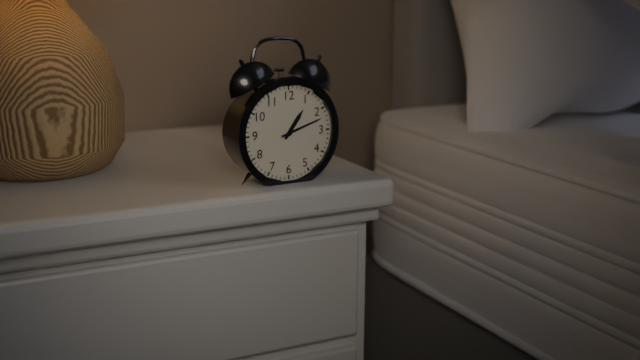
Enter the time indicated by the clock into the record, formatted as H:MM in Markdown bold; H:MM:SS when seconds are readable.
**1:12**
